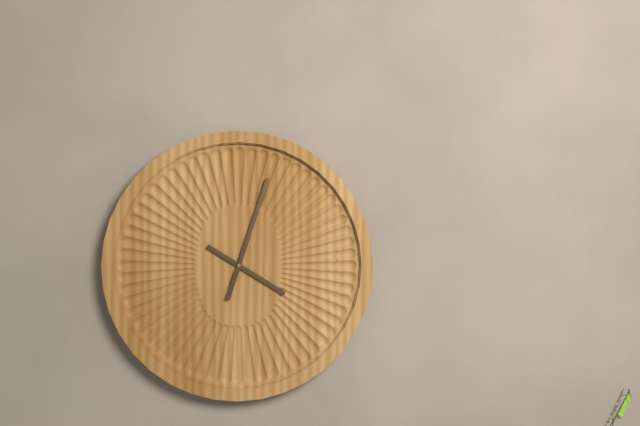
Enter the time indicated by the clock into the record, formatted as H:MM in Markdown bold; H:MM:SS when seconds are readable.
**4:03**
